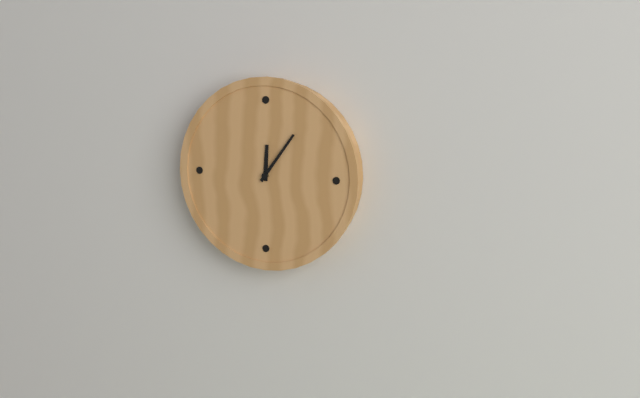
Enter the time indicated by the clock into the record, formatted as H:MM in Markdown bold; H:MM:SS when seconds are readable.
**12:06**
